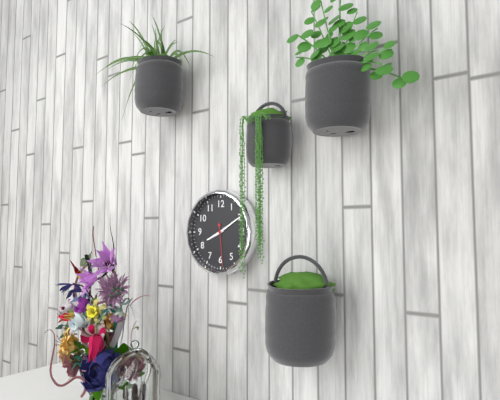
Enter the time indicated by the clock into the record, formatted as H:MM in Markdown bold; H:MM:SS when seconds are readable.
**8:10**
